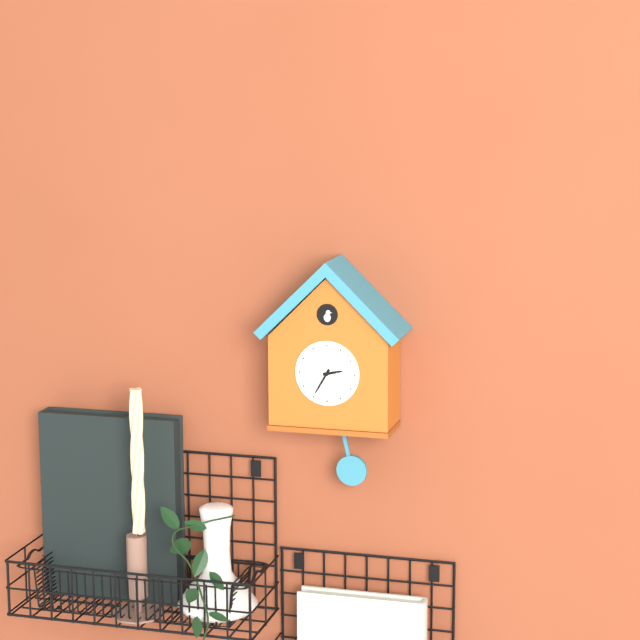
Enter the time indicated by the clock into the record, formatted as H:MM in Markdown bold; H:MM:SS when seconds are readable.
**2:35**
